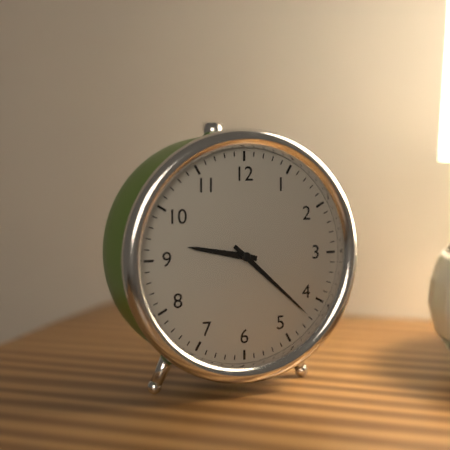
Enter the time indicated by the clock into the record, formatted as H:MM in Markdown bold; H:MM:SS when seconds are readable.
**9:22**
